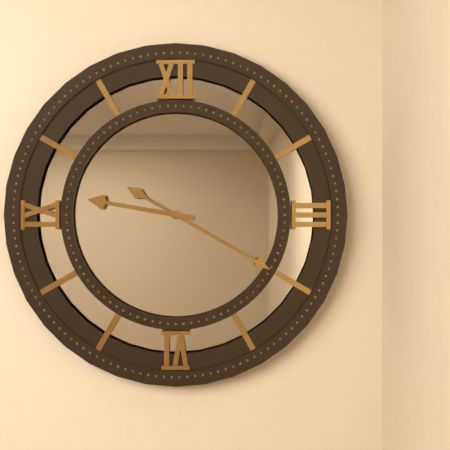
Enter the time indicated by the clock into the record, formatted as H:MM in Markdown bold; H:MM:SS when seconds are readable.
**9:20**
